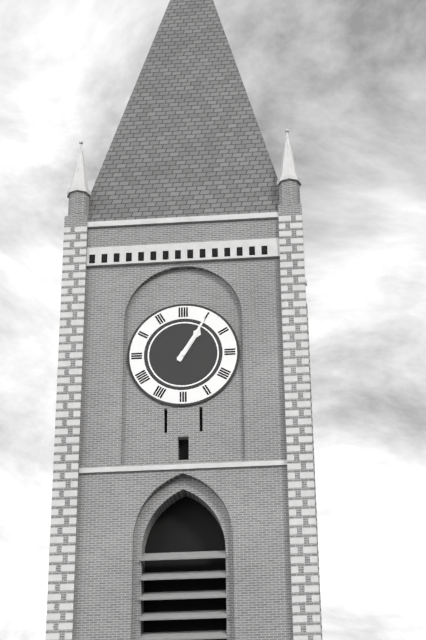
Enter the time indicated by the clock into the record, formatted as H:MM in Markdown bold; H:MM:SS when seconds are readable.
**1:05**
